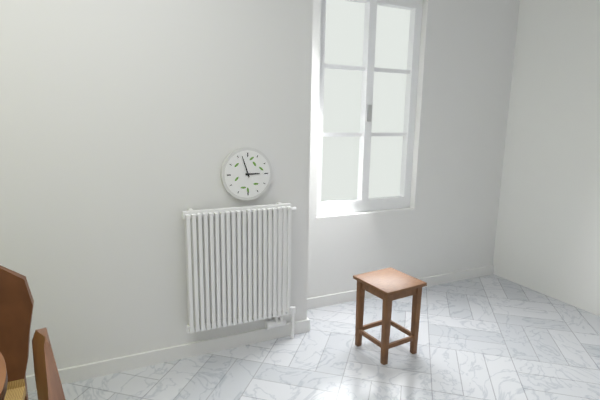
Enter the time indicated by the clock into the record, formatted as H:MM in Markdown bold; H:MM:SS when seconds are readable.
**2:57**
